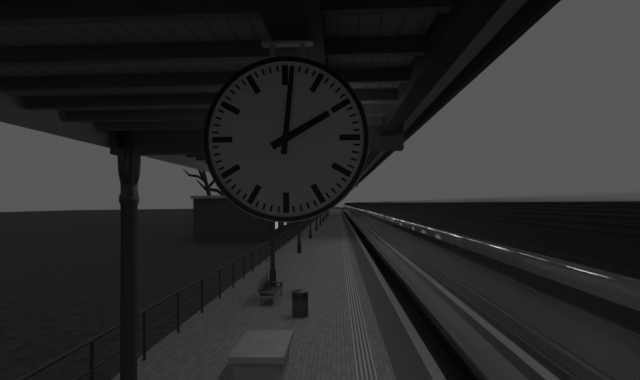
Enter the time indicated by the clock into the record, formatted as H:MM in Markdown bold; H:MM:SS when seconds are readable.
**2:01**
